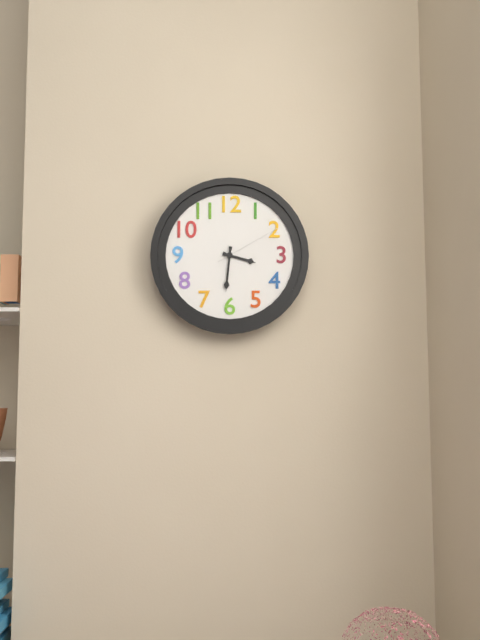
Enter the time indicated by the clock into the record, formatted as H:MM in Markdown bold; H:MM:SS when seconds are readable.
**3:31:10**
